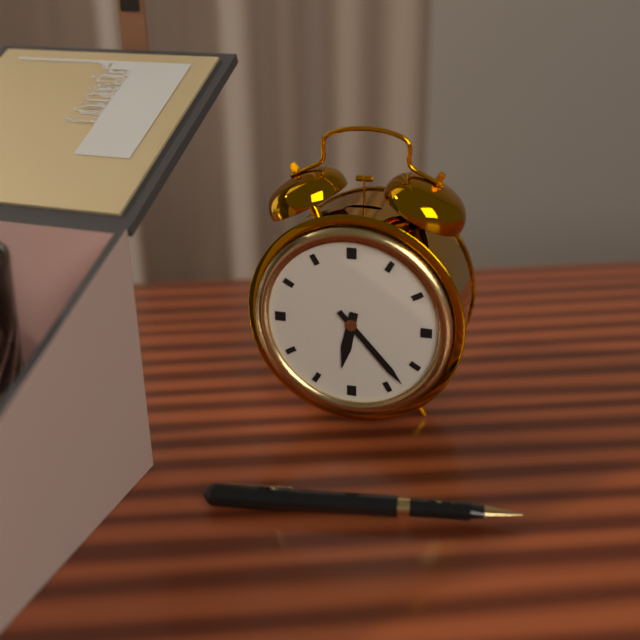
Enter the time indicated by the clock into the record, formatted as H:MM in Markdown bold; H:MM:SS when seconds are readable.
**6:23**
